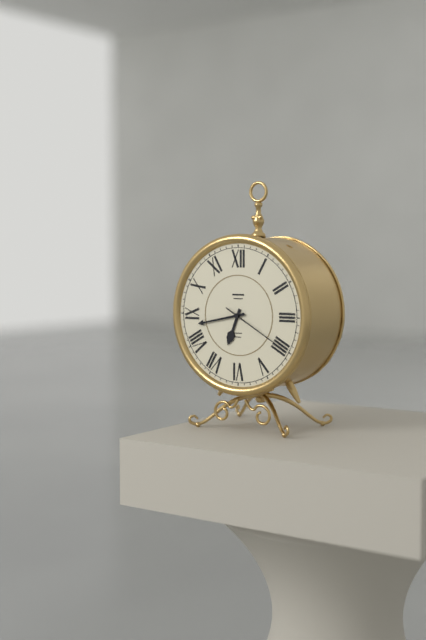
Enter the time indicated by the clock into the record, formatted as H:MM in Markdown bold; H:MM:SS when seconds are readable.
**6:43:20**
